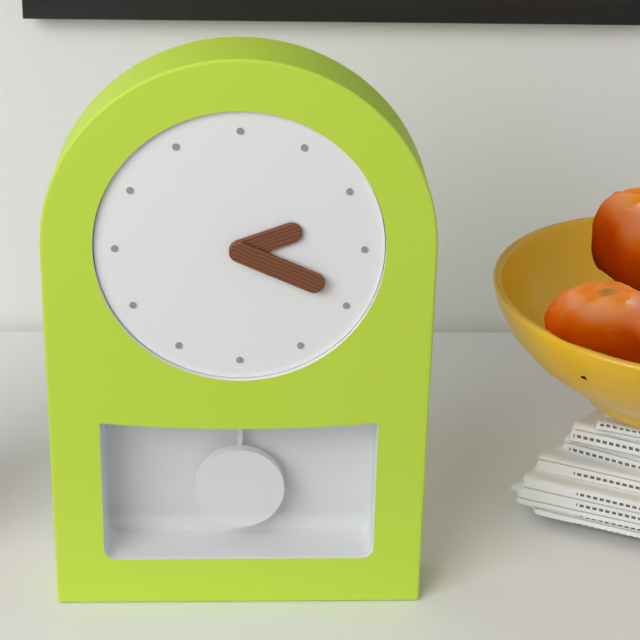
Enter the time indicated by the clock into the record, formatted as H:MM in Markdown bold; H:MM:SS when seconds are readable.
**2:19**
